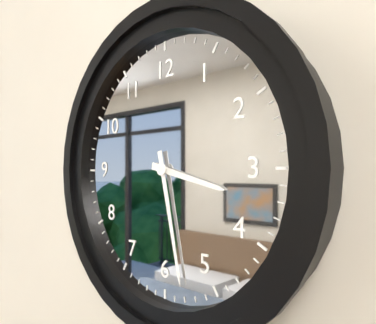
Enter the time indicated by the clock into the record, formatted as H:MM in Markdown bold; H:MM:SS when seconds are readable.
**3:28**
